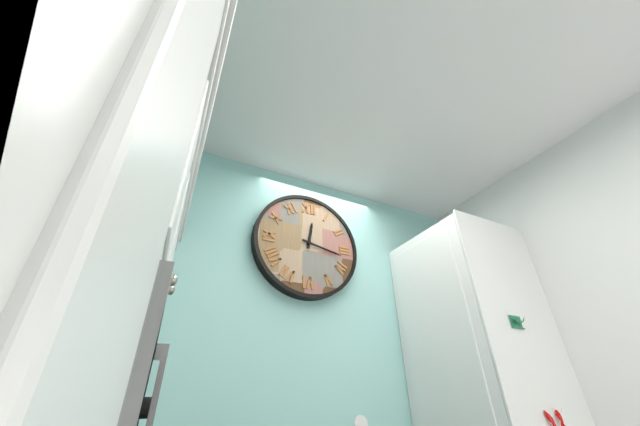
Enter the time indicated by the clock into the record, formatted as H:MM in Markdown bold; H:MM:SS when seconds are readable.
**12:17**
